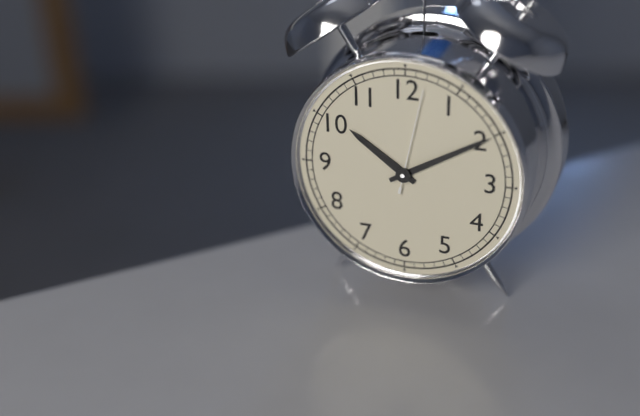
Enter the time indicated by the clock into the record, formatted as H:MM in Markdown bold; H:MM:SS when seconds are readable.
**10:10:02**
